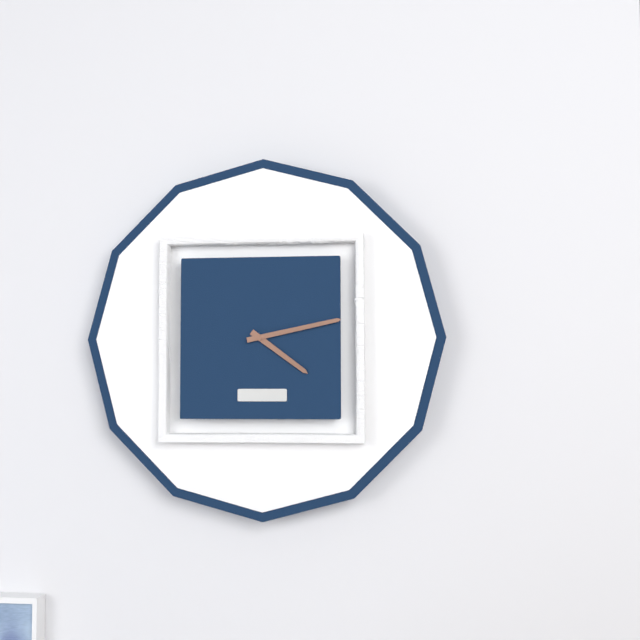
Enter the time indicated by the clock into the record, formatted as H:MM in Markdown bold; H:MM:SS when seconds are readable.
**4:13**
